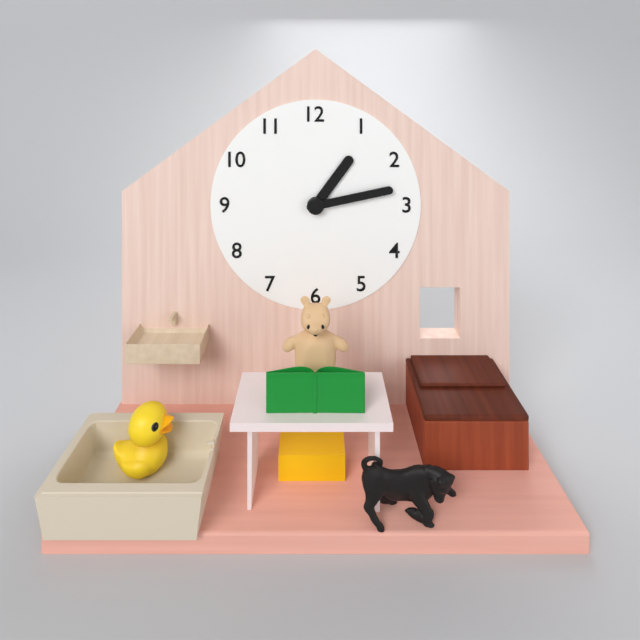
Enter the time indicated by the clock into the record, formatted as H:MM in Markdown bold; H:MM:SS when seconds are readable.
**1:13**
